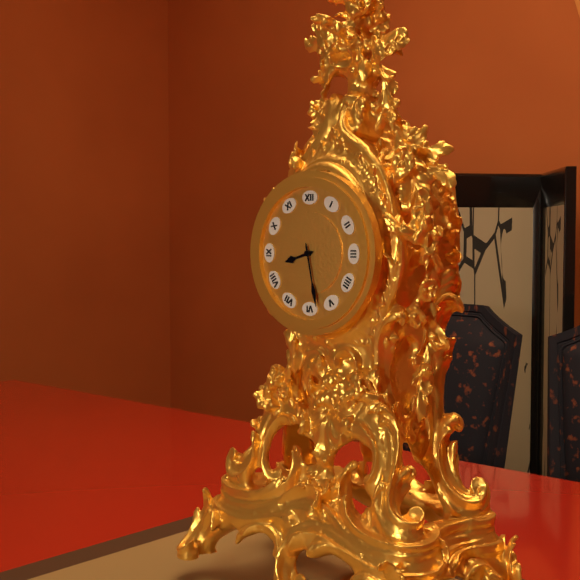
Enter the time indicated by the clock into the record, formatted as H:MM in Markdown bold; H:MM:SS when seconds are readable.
**8:28**
